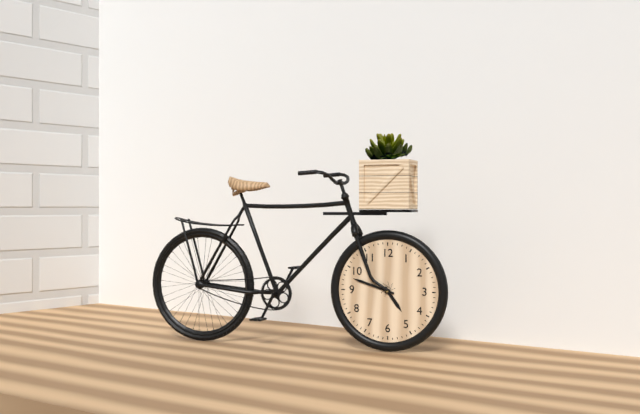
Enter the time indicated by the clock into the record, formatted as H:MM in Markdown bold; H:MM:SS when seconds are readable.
**4:48**
